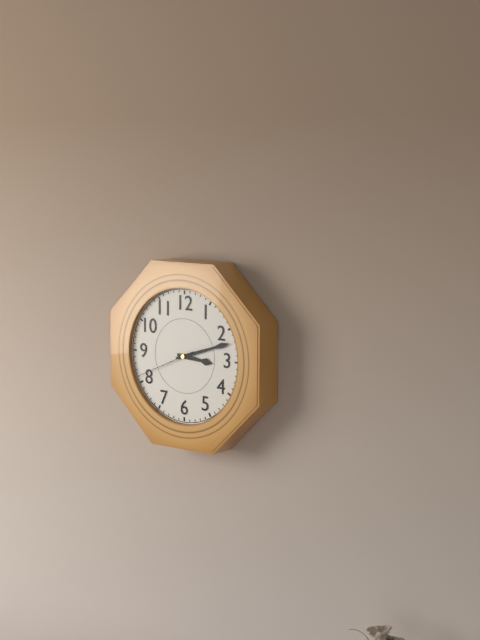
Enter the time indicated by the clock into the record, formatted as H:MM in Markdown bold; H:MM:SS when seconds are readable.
**3:12:41**
